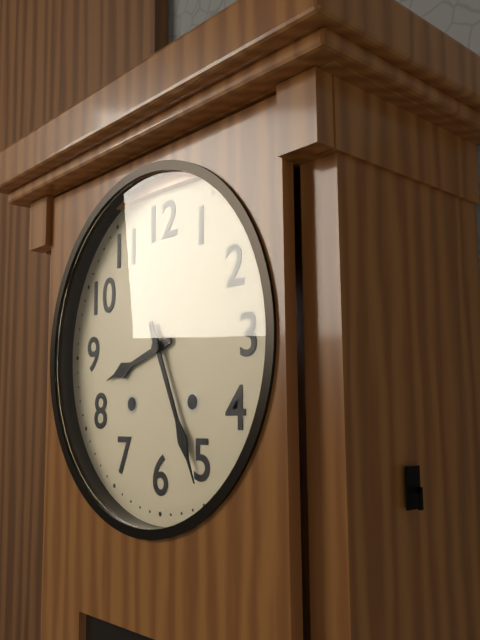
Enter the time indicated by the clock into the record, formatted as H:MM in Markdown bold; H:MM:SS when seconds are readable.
**8:26**
